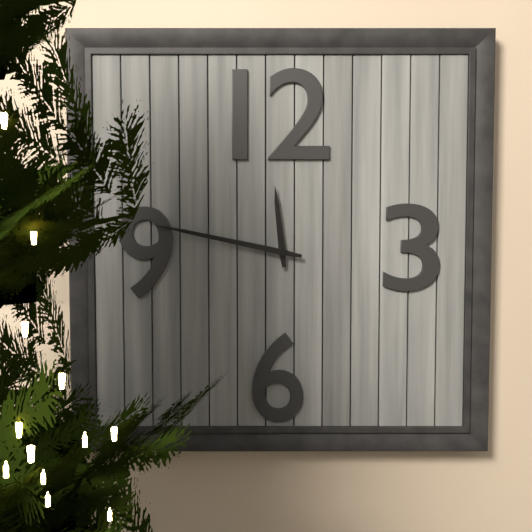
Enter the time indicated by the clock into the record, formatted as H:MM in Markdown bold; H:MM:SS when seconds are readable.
**11:47**
